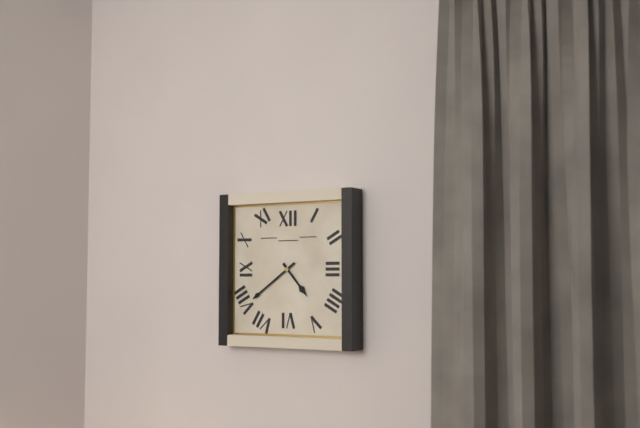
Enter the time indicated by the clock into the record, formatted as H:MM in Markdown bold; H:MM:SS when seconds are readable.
**4:39**
